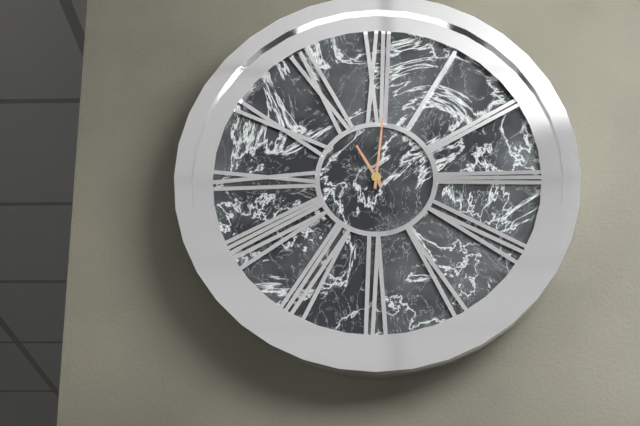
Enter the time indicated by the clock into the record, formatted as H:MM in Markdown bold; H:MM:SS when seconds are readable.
**11:01**
